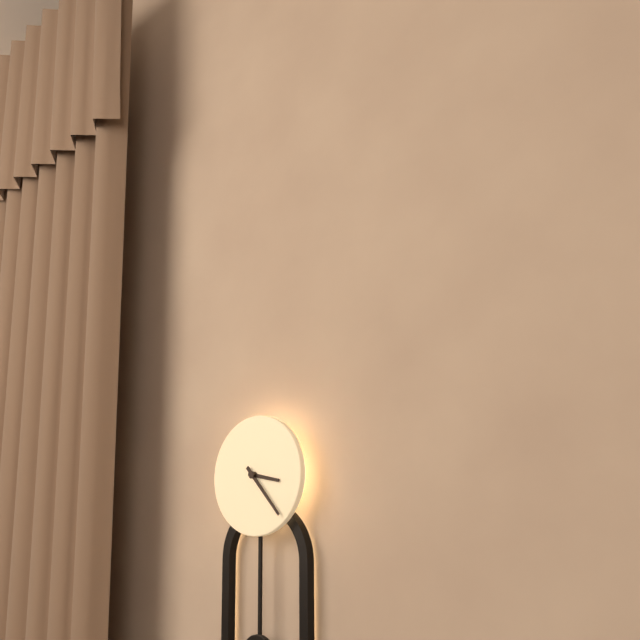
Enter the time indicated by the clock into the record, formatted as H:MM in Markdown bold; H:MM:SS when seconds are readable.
**3:23**
